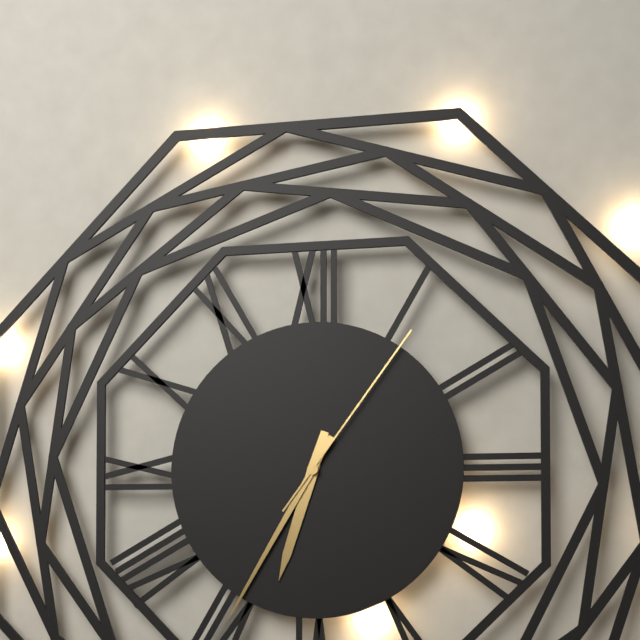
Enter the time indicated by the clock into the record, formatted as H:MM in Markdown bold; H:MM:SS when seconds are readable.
**6:35:06**
